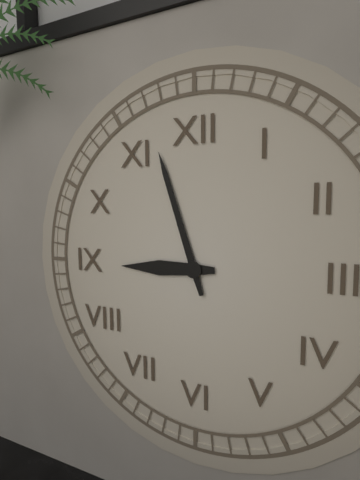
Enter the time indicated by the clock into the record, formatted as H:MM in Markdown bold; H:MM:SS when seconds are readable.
**8:57**
